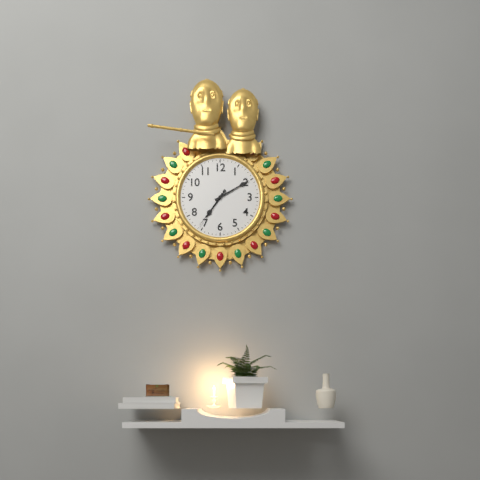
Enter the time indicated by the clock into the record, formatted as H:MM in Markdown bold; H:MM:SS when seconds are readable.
**7:10**
